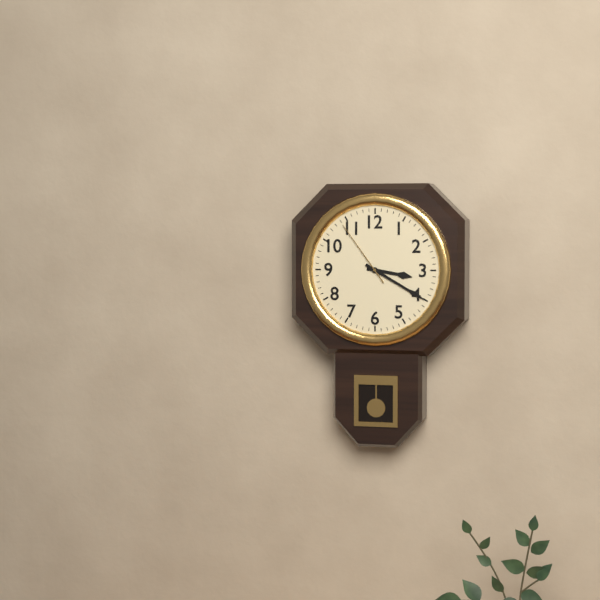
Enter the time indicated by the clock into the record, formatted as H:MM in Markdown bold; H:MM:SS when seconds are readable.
**3:20:54**
